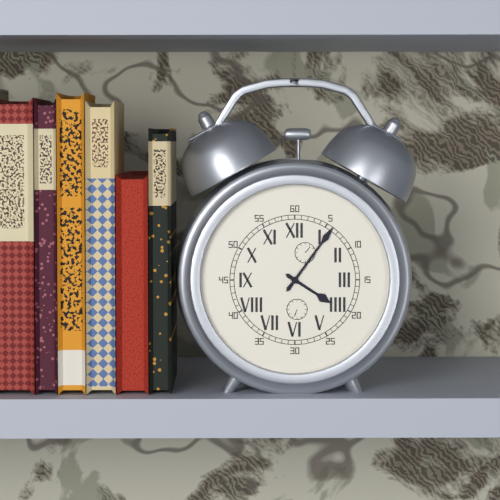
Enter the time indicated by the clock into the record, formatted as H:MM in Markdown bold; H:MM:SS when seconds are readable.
**4:06**
